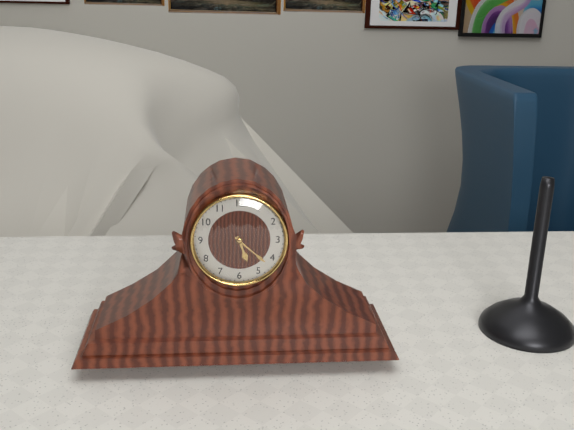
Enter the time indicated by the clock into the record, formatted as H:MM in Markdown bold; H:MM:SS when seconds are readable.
**5:22**
